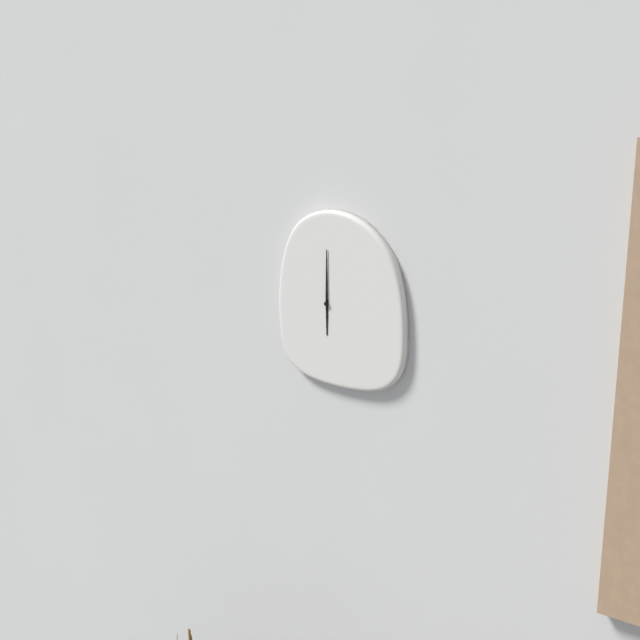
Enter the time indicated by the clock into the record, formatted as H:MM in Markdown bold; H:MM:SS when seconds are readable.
**6:00**
